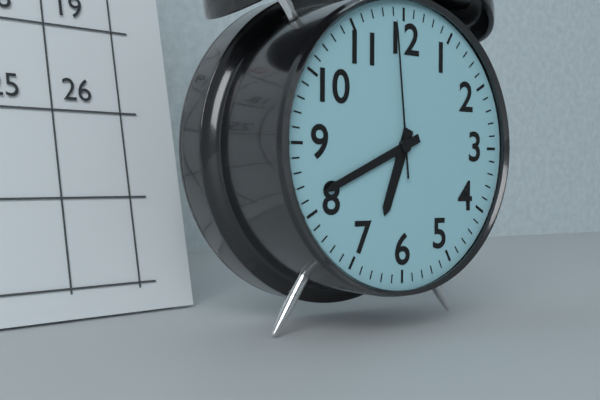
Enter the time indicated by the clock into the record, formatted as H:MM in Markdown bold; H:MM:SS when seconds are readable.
**6:41:59**
